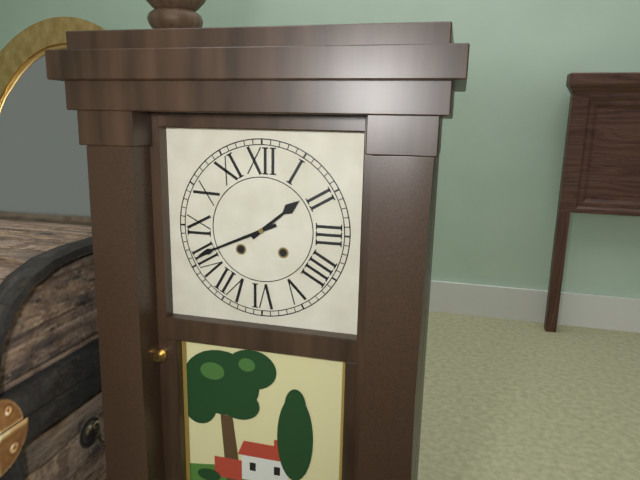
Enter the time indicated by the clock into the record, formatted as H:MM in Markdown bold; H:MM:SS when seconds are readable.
**1:41**
